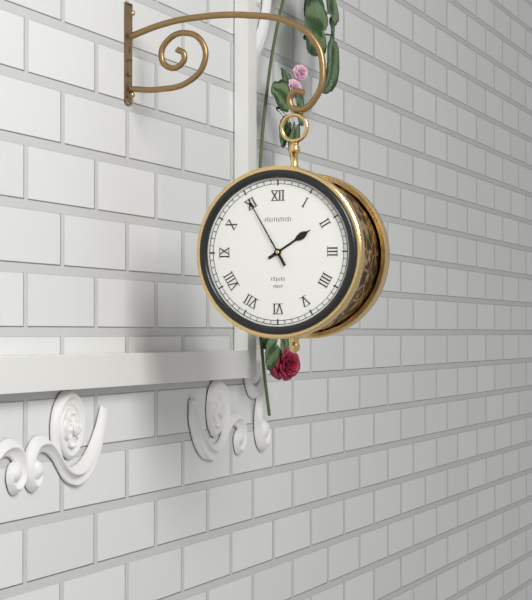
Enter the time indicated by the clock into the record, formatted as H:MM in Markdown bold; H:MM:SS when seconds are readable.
**1:55**
